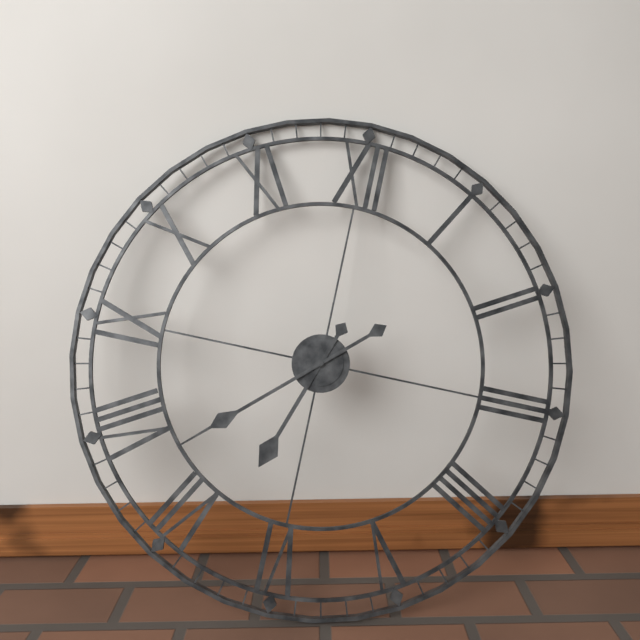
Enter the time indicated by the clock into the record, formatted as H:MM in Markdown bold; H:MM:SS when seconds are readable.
**6:38**
